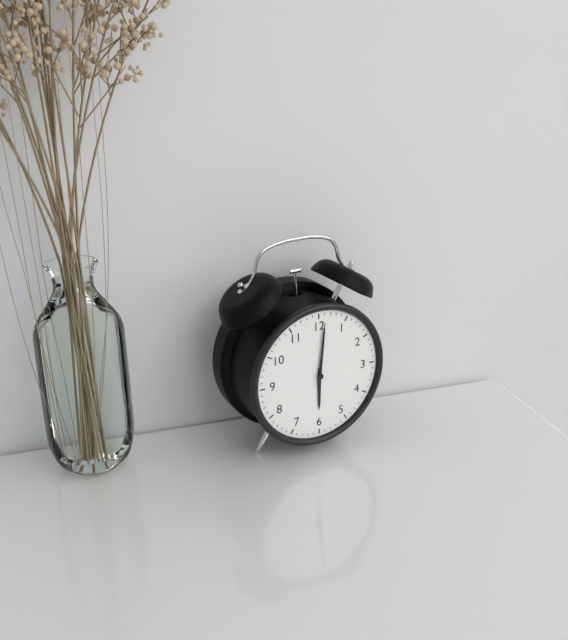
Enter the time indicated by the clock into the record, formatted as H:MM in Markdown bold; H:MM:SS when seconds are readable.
**6:01**
